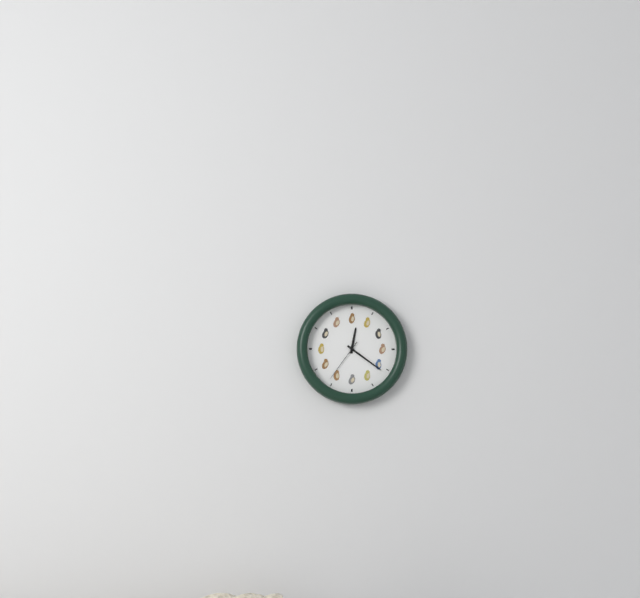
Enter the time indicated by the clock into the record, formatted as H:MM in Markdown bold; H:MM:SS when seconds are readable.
**12:21**
